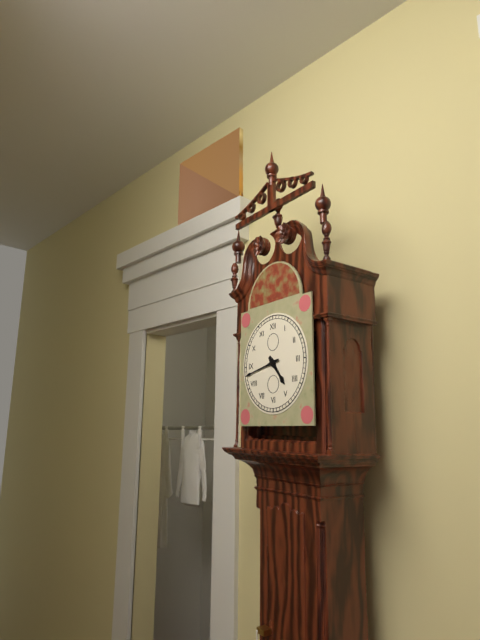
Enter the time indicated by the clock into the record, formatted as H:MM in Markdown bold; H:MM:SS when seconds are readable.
**4:43**
